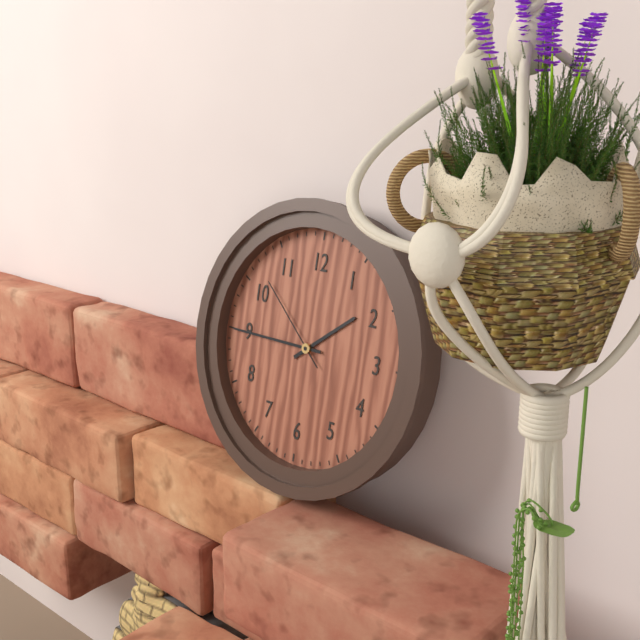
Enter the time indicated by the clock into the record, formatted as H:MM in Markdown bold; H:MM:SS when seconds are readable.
**1:45:52**
